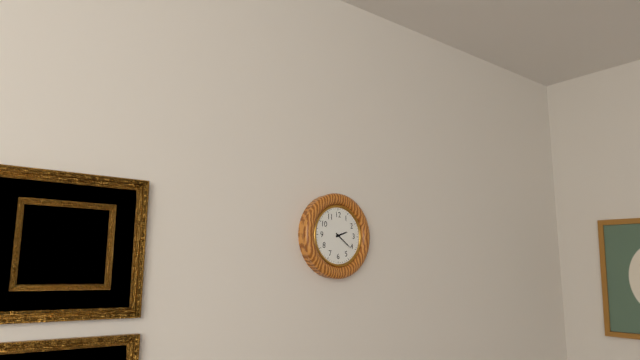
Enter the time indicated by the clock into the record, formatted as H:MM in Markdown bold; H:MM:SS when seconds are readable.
**2:21**
